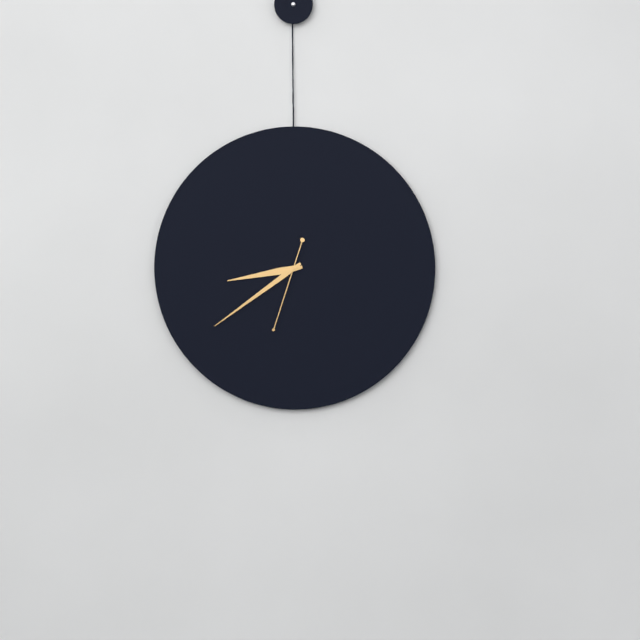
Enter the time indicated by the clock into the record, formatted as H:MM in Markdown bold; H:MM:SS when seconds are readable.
**8:39:33**
